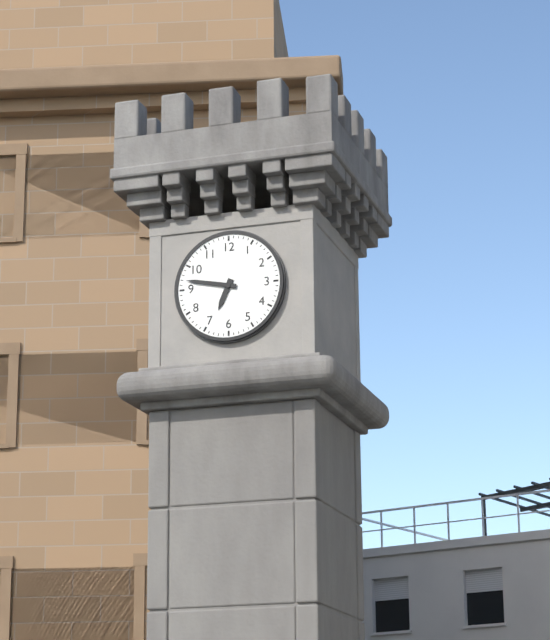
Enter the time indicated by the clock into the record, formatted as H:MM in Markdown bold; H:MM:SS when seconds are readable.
**6:47**
